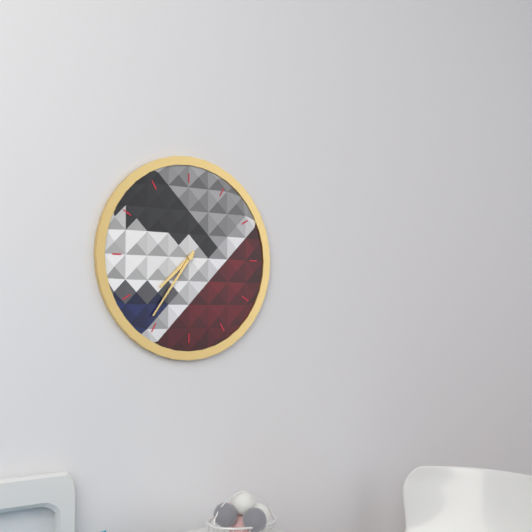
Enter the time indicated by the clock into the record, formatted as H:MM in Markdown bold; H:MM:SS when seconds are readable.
**7:36**
